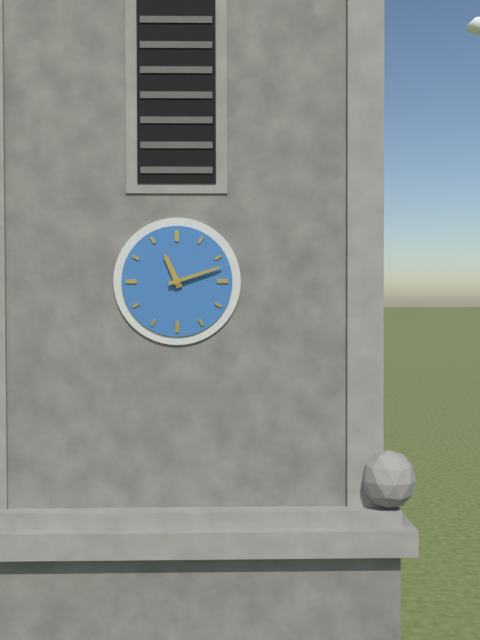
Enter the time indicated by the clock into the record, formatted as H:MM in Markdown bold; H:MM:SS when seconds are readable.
**11:12**
